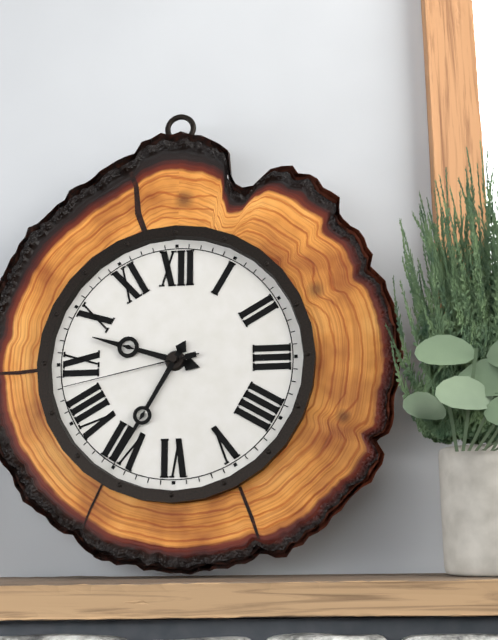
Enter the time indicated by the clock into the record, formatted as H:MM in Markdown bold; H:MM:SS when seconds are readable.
**9:35:43**
